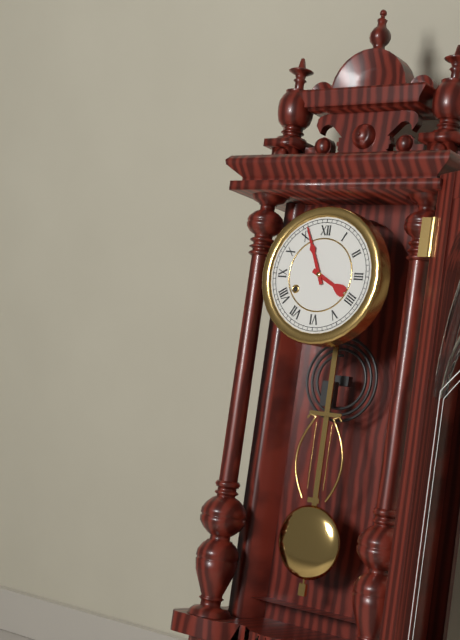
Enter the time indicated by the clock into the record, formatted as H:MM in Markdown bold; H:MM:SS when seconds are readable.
**3:56**
